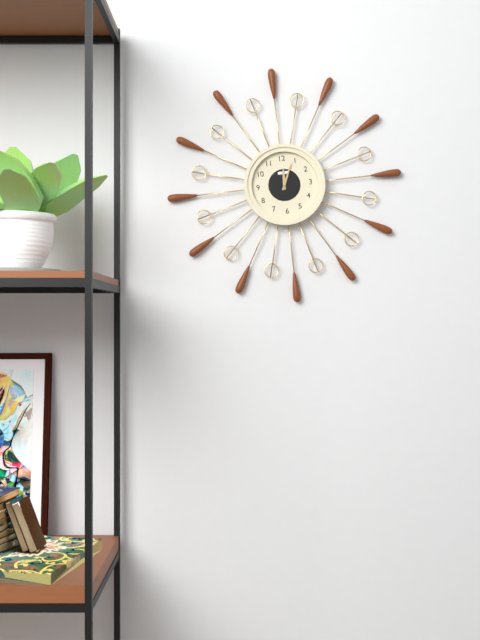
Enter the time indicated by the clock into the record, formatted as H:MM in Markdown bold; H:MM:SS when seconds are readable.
**12:04**
